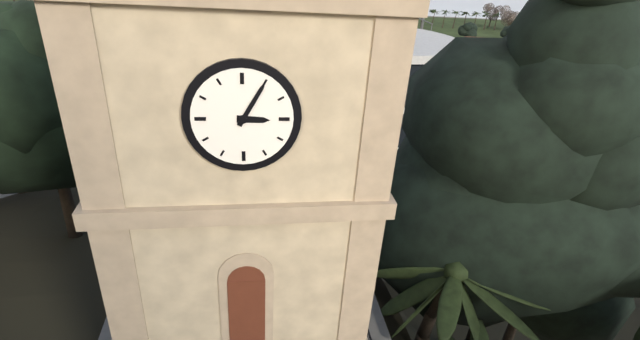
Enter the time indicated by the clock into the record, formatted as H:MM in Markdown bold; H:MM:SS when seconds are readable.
**3:05**
